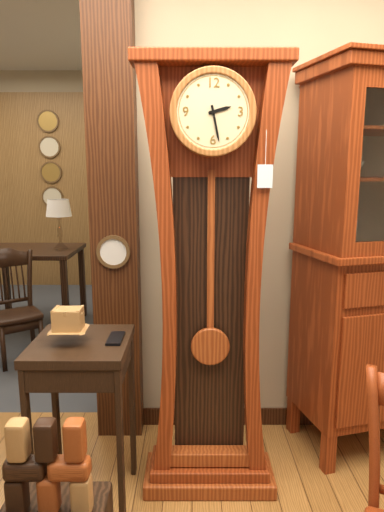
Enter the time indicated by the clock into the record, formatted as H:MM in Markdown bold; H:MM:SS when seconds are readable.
**2:28**
